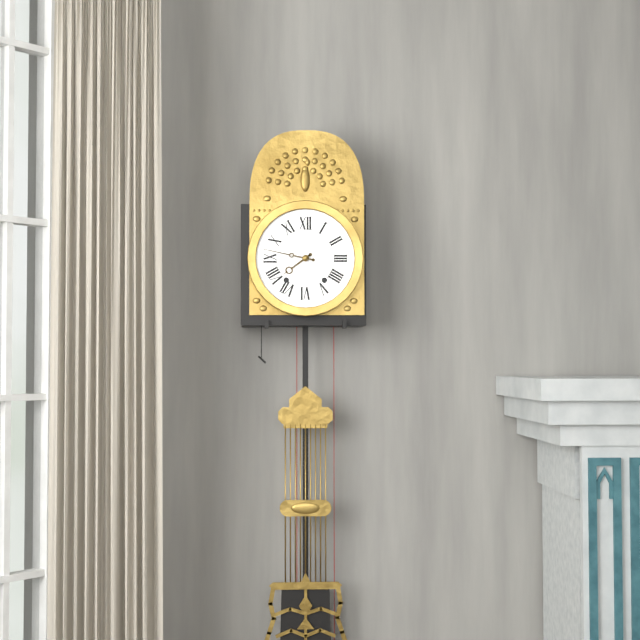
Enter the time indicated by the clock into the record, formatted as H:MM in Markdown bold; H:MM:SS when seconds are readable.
**7:47**
